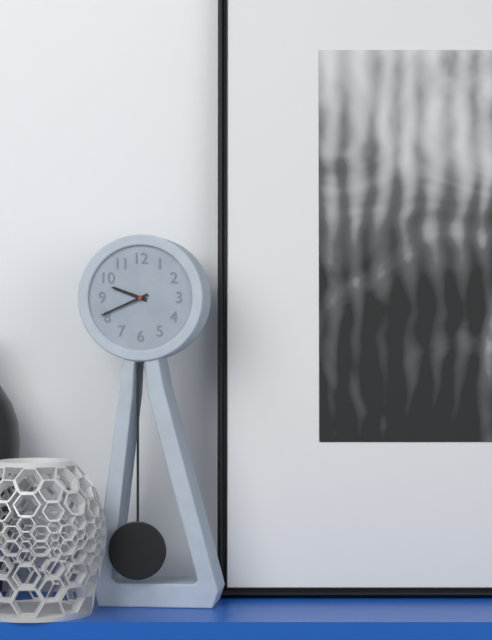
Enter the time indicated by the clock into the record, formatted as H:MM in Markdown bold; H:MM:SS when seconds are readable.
**9:41**
